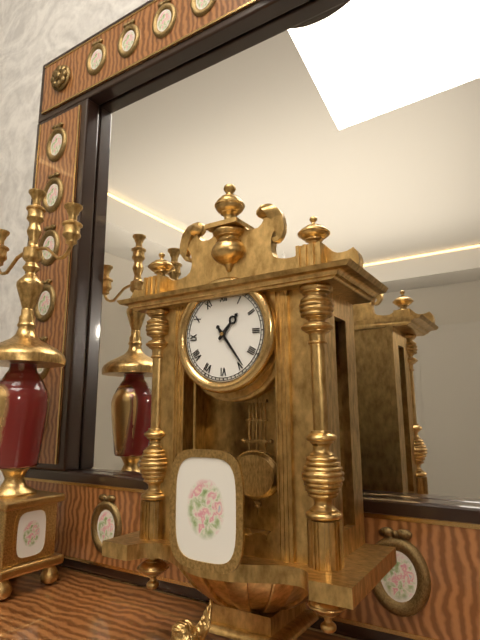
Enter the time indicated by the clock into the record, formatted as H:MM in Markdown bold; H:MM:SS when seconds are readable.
**1:24**
